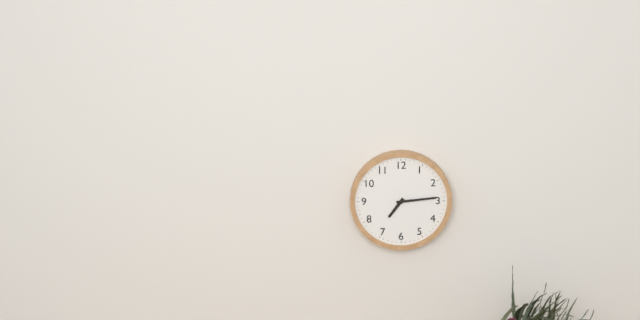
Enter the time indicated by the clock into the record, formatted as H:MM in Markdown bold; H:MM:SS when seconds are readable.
**7:14**
